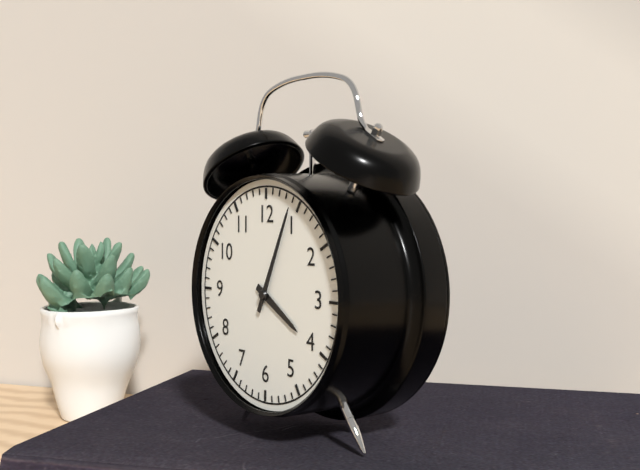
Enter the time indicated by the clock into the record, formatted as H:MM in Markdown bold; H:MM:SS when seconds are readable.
**4:04**
